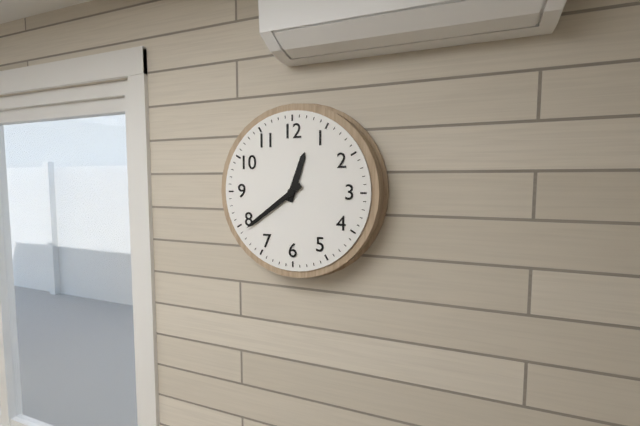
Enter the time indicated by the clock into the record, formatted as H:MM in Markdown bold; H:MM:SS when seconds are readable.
**12:39**
